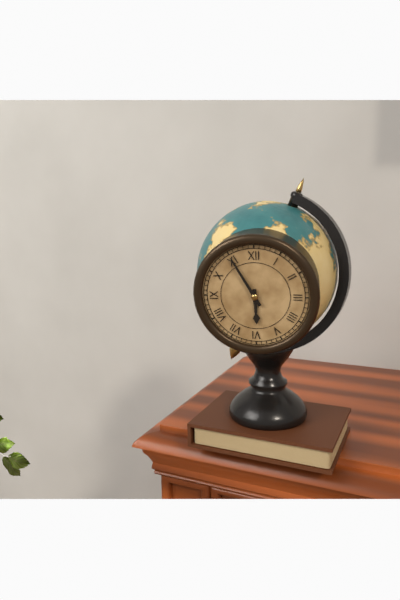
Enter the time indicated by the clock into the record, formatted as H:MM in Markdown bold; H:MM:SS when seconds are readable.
**5:55**
